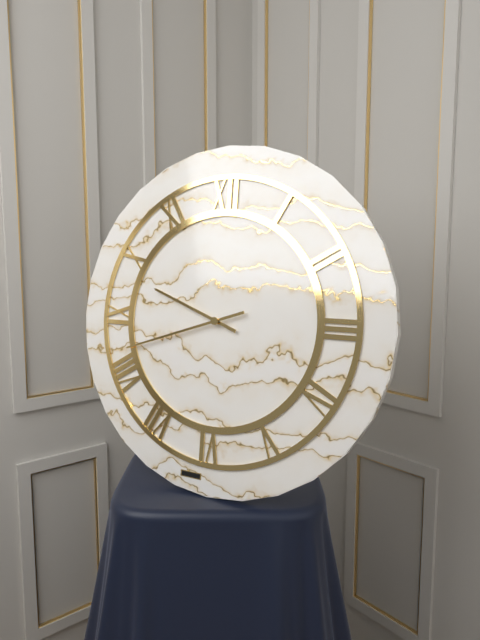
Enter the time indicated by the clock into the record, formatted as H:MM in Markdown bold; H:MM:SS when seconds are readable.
**9:42**
